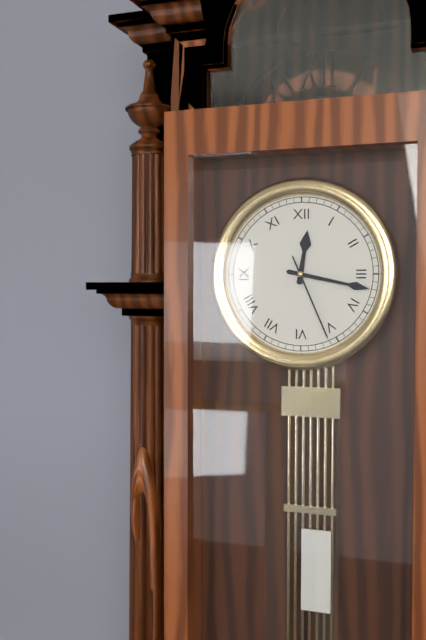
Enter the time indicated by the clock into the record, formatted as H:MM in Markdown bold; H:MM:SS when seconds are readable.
**12:17:26**
